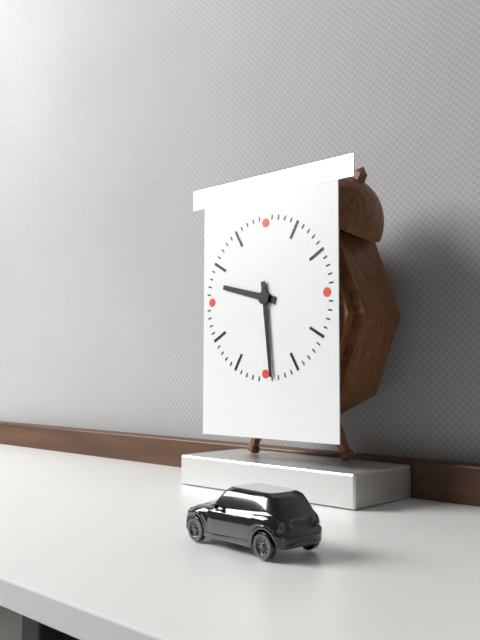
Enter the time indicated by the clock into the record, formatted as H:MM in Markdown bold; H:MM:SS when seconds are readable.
**9:29**
